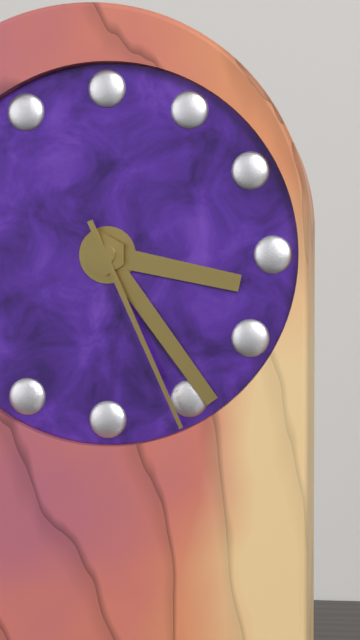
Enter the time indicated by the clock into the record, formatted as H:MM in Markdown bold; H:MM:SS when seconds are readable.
**3:24:26**
